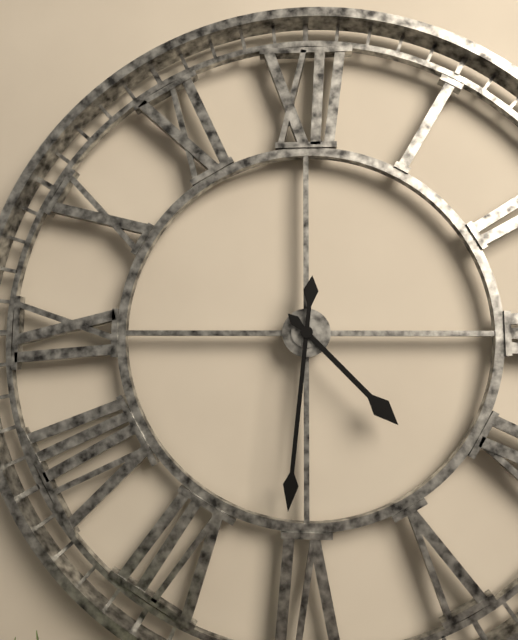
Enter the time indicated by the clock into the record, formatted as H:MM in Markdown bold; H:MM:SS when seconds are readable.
**4:31**
